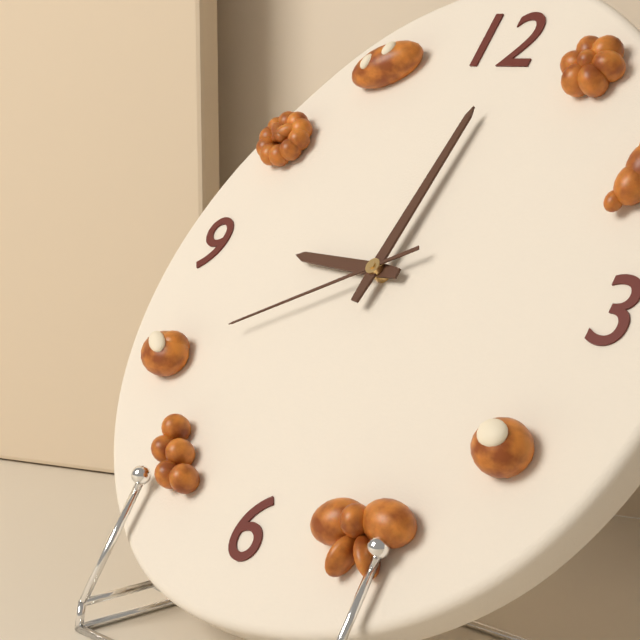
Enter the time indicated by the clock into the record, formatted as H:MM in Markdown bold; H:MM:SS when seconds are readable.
**9:01:40**
